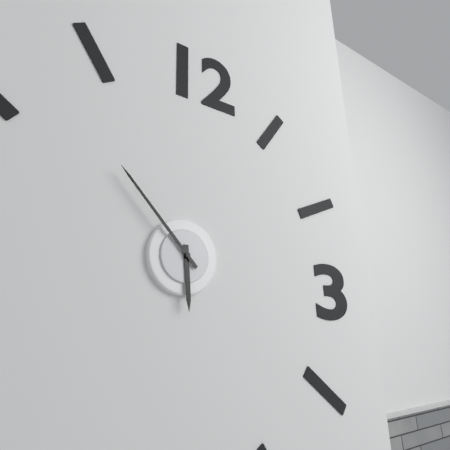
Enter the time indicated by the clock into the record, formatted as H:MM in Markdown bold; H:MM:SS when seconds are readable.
**5:53**
